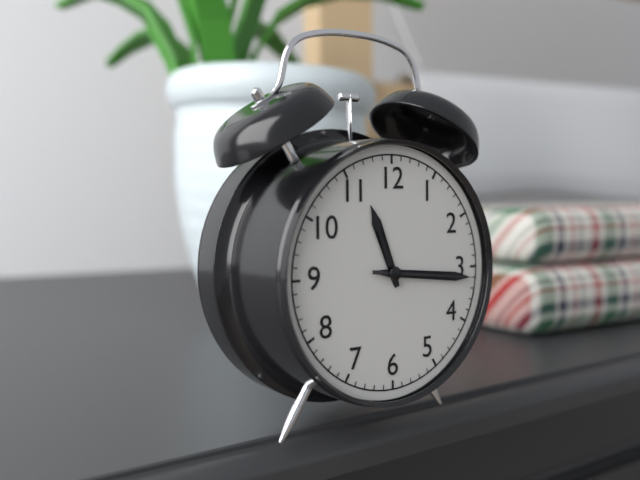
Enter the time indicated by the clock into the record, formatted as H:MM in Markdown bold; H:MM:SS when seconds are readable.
**11:16:16**
